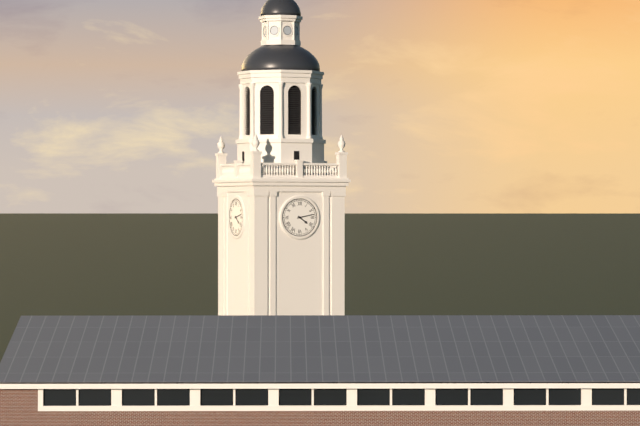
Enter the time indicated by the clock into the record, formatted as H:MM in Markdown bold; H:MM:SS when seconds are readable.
**4:13**
